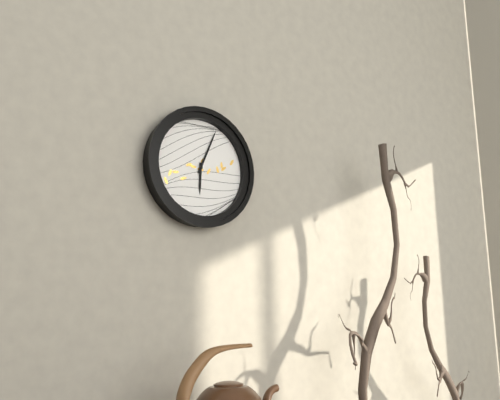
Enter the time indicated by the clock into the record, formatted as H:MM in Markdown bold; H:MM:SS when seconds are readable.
**6:04**
